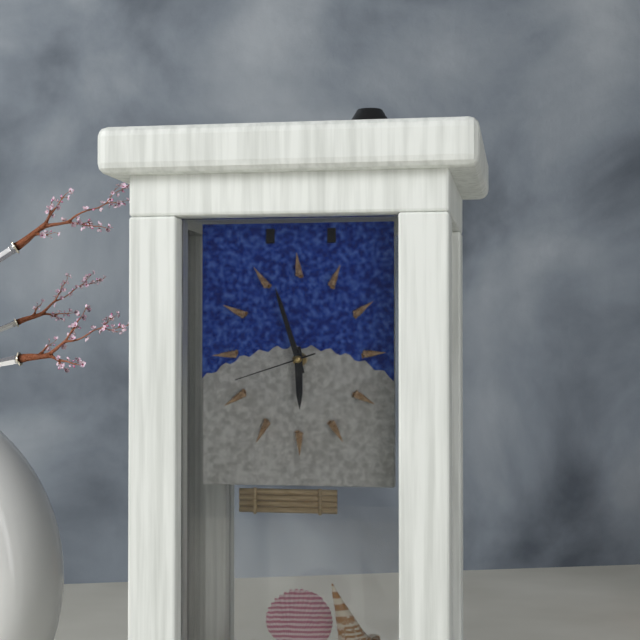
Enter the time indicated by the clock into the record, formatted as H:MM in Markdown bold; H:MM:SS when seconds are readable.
**5:57:42**
